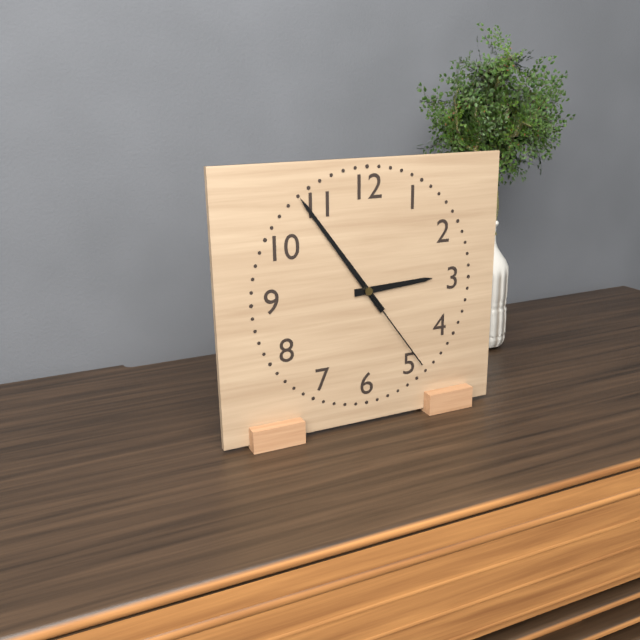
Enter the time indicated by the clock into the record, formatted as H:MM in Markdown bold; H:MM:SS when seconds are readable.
**2:54:24**
